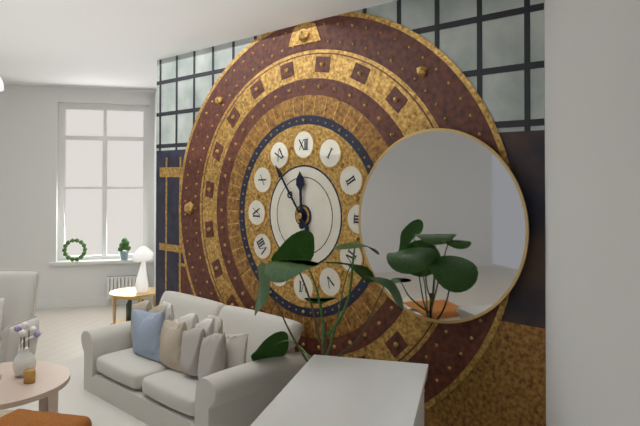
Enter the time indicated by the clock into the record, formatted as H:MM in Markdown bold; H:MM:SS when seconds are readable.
**11:54**
